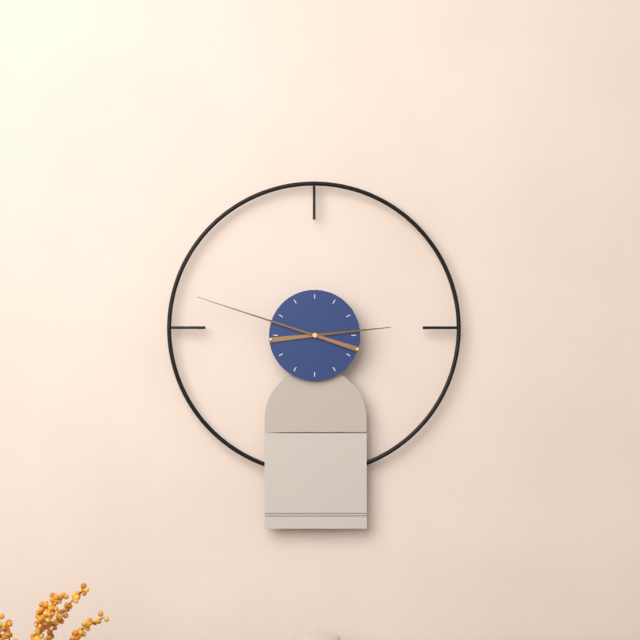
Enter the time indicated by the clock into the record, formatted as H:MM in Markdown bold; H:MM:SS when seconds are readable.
**2:48**
